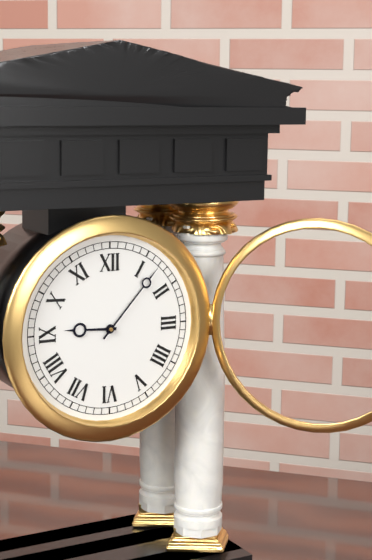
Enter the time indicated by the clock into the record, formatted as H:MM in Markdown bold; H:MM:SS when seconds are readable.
**9:07**
